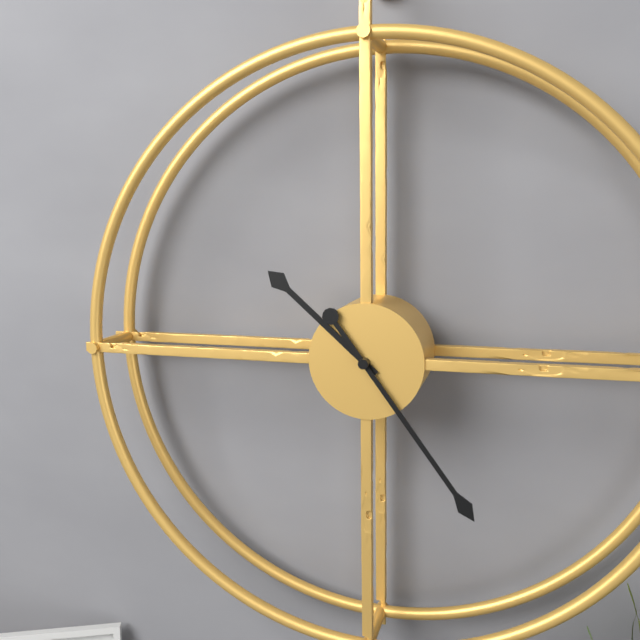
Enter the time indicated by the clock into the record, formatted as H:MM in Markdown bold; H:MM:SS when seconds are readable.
**10:24**
